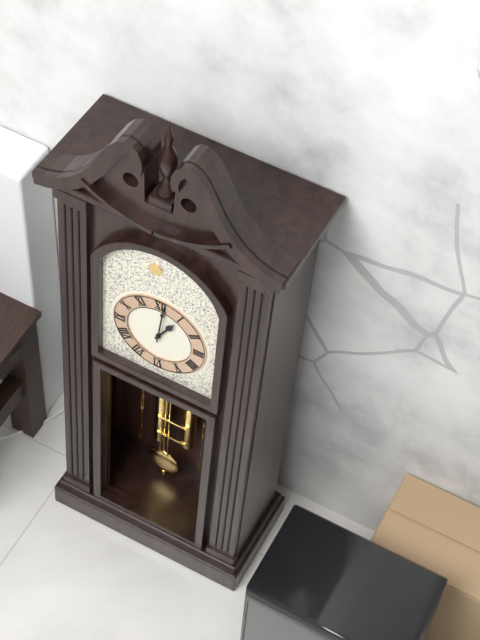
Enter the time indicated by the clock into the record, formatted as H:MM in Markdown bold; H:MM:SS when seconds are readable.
**1:01**
